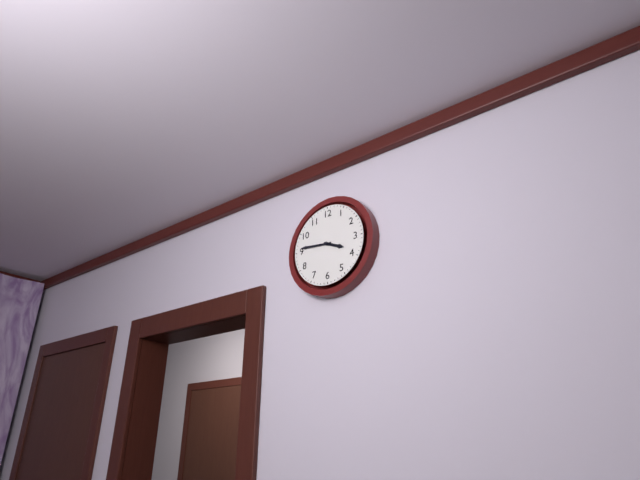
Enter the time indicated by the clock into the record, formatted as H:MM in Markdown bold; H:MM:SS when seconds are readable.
**3:46**
